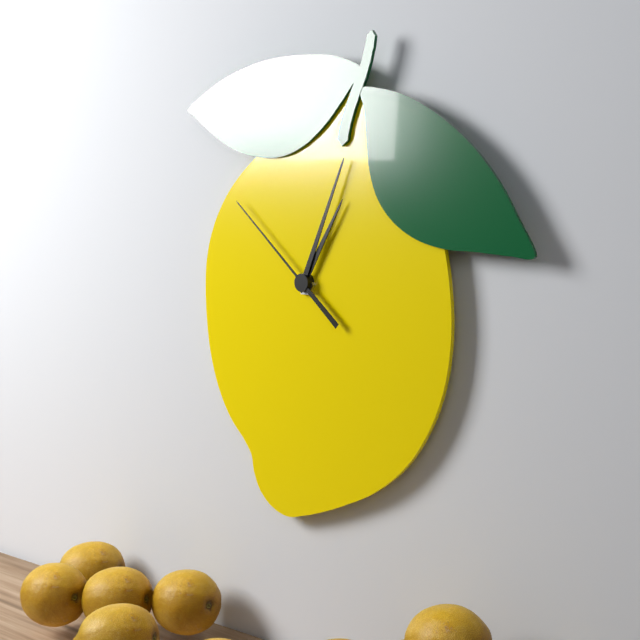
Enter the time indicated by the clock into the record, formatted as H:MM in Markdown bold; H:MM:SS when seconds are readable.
**1:04:52**
